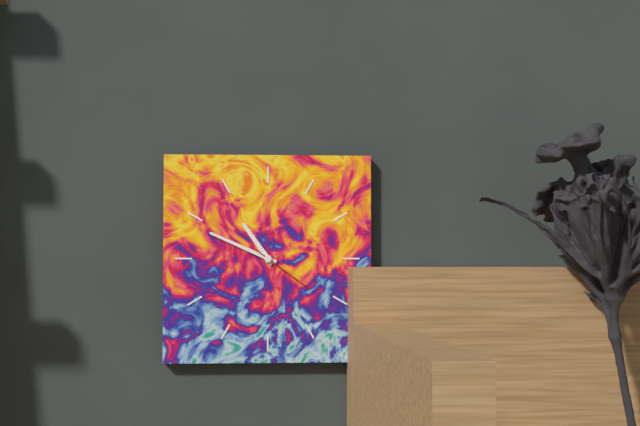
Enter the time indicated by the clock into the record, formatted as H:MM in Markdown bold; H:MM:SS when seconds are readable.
**10:49:21**
